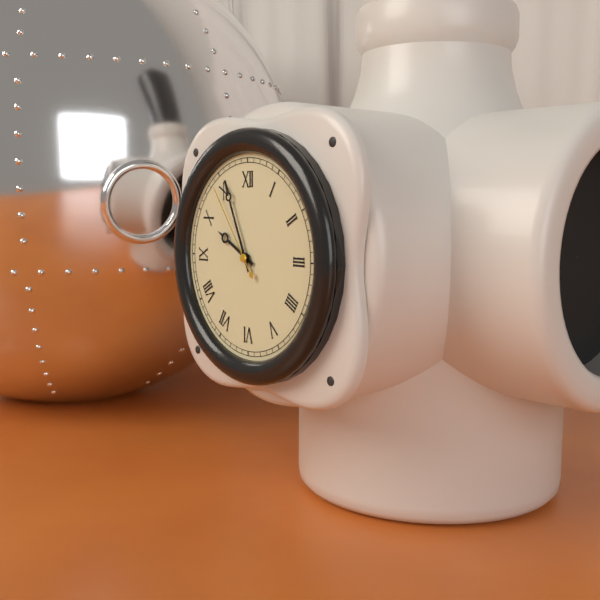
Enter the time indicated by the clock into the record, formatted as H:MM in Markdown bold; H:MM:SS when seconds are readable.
**9:56:54**
